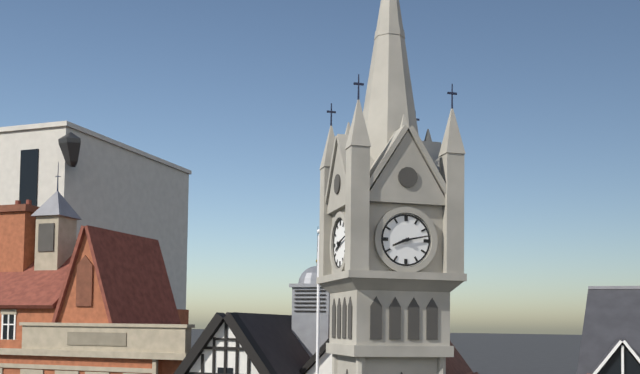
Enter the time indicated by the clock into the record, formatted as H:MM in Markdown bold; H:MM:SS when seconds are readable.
**8:13**
